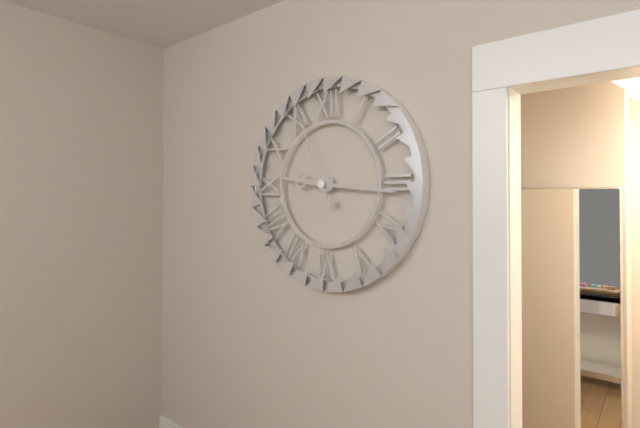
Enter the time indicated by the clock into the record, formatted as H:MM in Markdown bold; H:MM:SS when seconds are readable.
**9:16:56**
